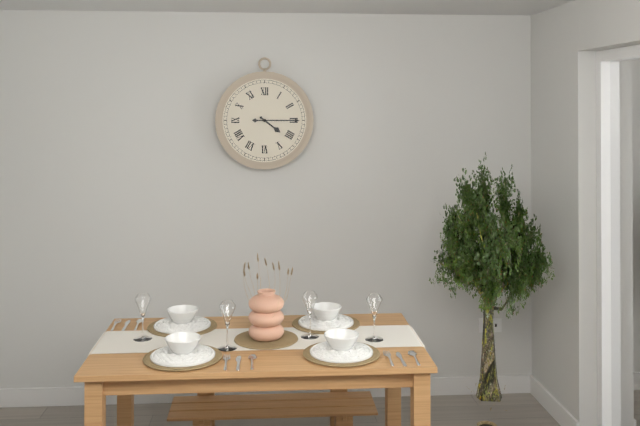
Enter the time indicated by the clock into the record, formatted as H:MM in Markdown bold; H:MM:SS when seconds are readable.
**4:15**
